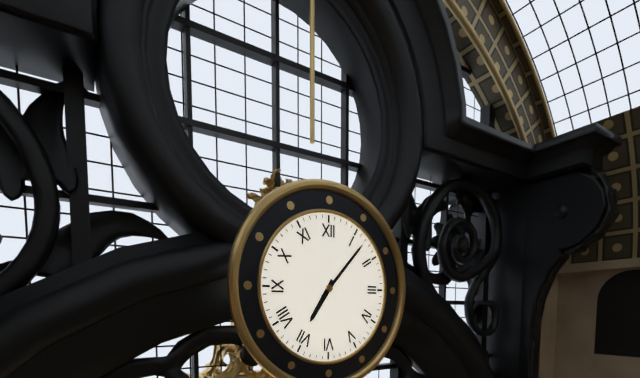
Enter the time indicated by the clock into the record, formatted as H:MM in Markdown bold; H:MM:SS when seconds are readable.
**7:07**
